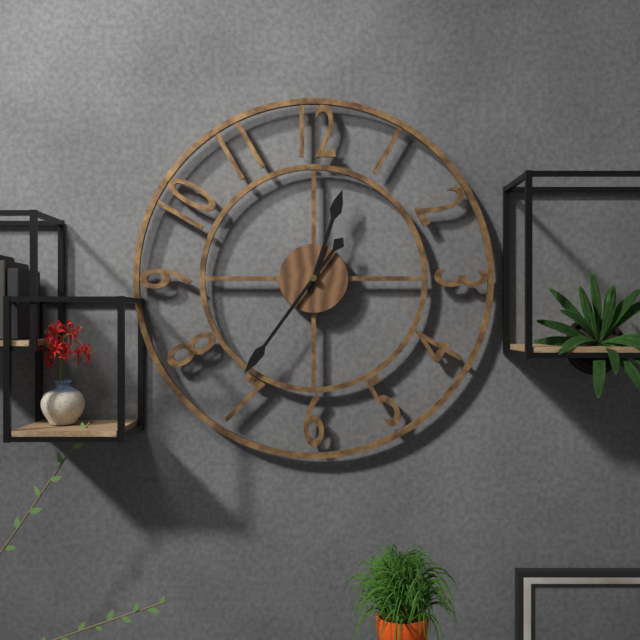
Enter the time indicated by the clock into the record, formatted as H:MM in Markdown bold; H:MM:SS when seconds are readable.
**12:36**
